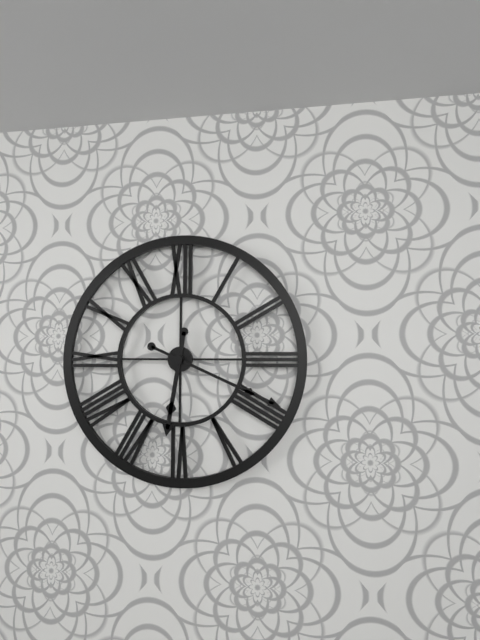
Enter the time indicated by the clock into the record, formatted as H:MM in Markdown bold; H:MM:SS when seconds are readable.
**6:19**
